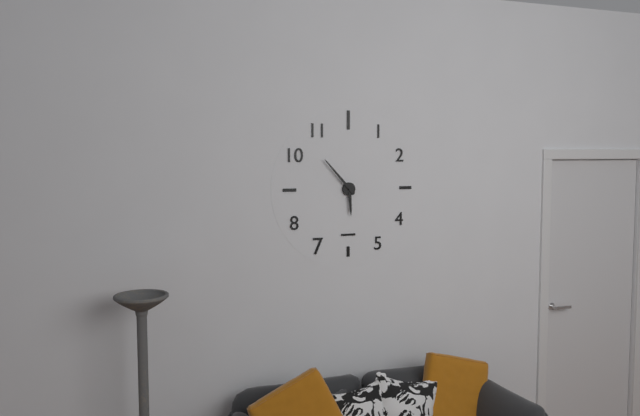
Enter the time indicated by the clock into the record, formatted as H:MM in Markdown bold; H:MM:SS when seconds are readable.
**5:53**
